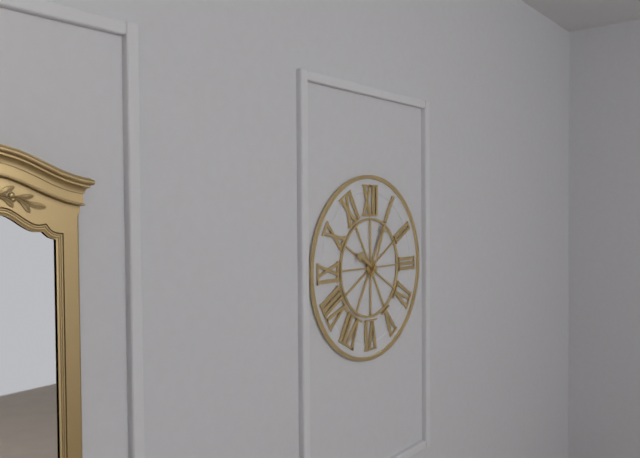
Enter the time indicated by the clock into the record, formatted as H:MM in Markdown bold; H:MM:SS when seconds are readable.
**10:04**
